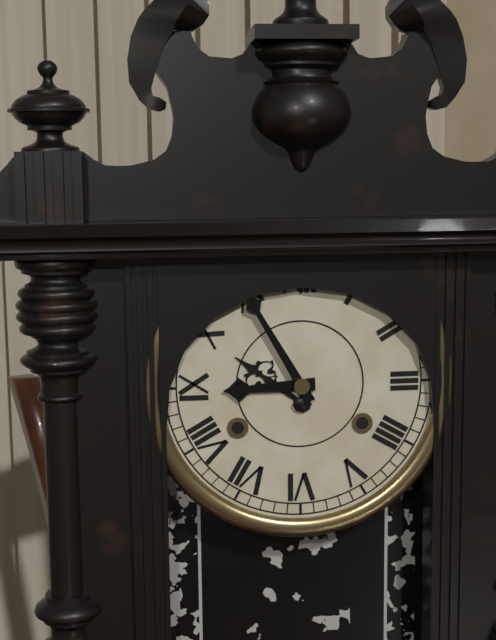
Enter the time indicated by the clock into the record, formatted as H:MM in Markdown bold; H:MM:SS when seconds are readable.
**8:55**
